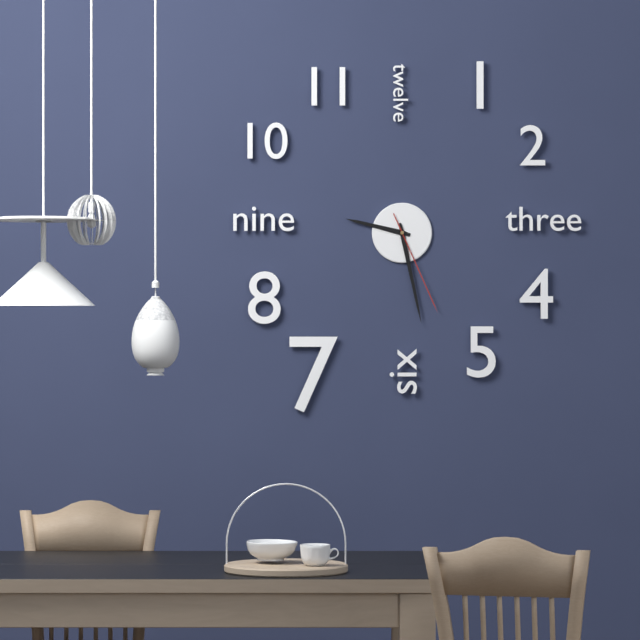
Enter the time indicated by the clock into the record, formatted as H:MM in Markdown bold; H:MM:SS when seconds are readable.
**9:28:26**
